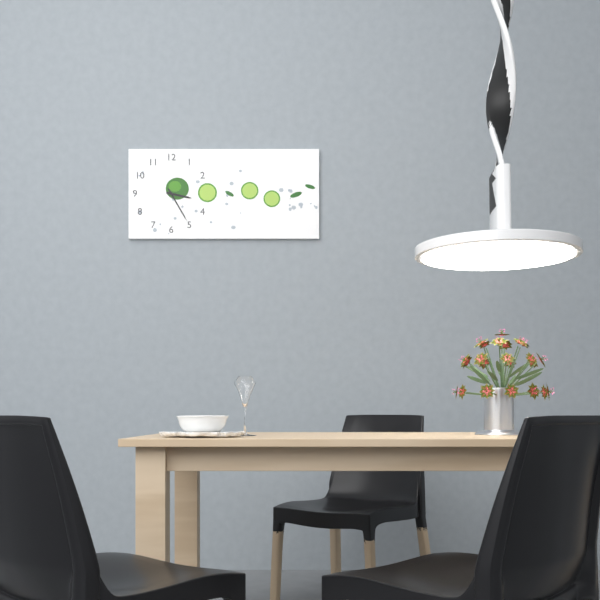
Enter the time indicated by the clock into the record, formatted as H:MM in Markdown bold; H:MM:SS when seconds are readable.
**3:25**
